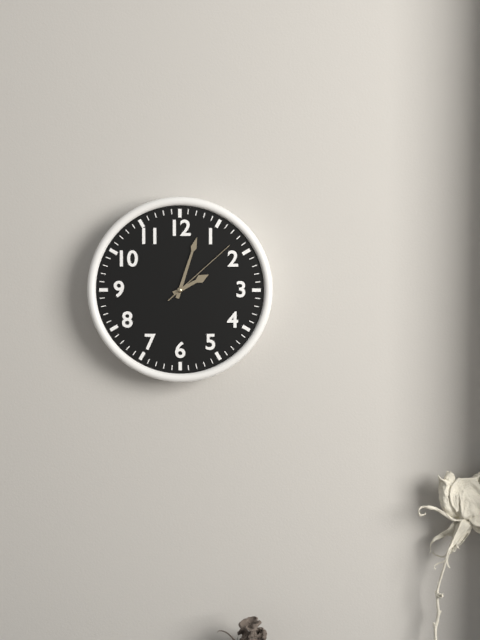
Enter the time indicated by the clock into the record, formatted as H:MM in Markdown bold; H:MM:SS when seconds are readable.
**2:03:08**
